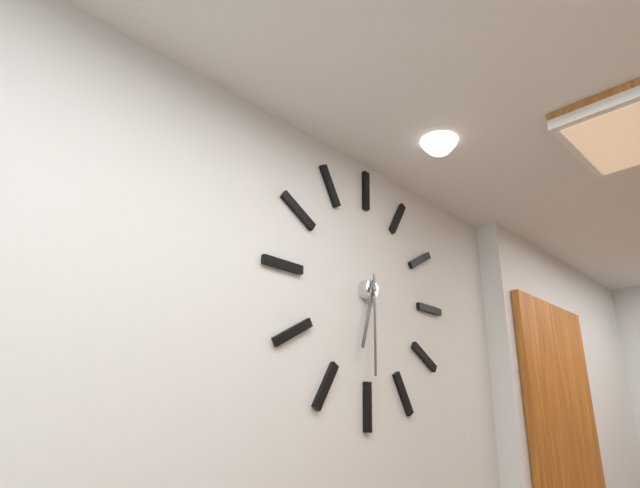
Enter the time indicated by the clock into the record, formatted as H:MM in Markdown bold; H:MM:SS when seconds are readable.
**6:30**
